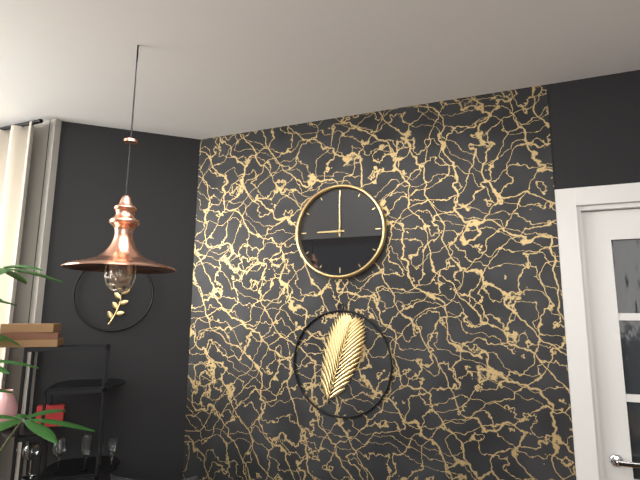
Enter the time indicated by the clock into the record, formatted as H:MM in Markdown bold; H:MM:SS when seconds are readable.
**9:00**
